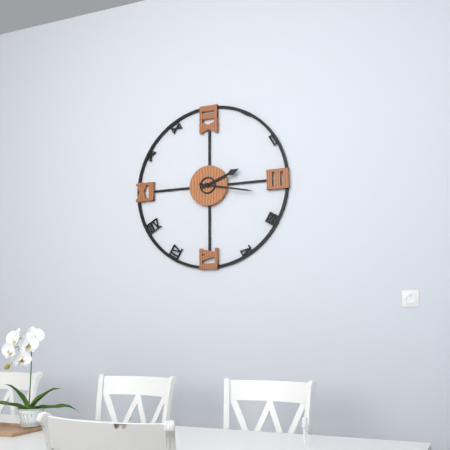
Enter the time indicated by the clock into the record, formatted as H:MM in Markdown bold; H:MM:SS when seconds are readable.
**2:17**
